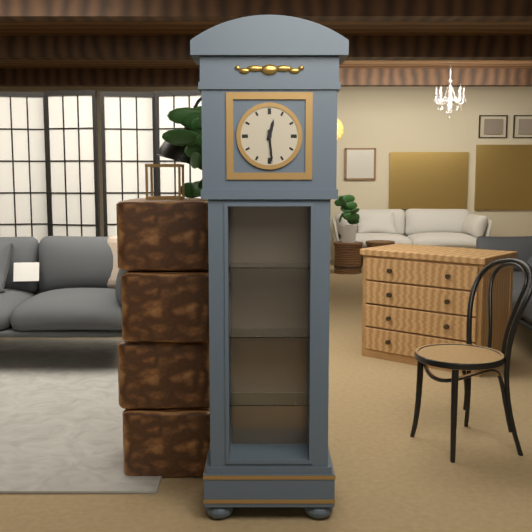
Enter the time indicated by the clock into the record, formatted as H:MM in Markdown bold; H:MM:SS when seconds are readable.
**12:29**
